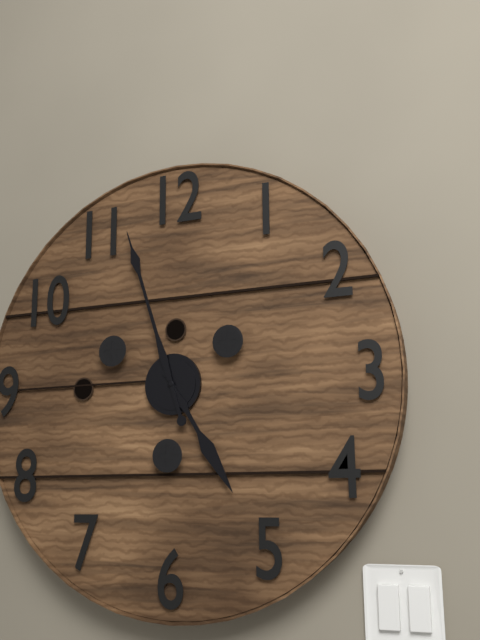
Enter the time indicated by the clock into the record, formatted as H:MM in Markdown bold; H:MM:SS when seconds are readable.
**4:57**
